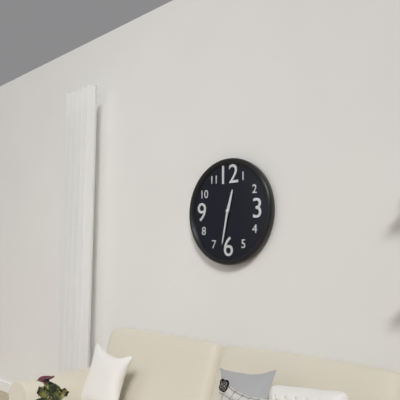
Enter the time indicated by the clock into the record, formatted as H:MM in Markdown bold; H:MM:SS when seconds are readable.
**12:32**
